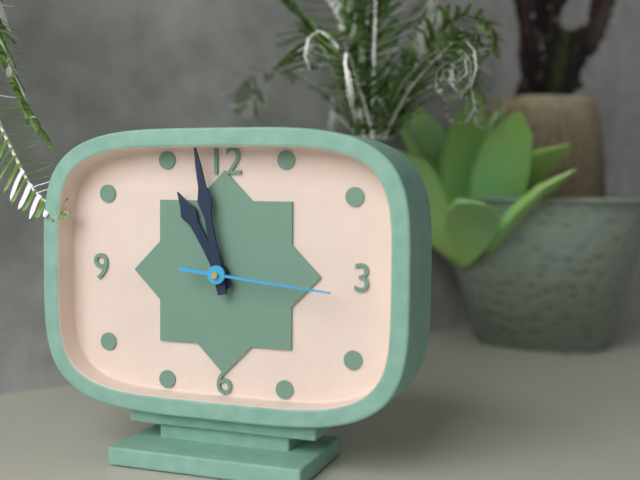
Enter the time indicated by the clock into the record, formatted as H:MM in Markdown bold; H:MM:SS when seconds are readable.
**10:58:16**
